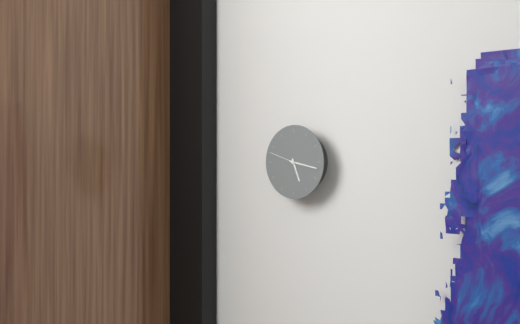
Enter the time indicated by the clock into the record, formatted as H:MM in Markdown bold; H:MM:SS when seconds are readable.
**5:17**
